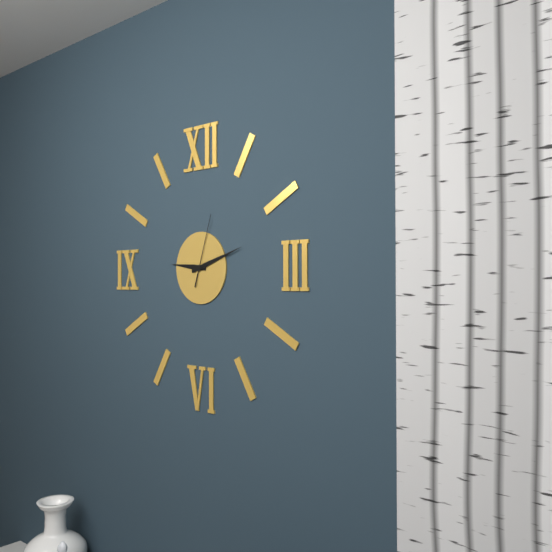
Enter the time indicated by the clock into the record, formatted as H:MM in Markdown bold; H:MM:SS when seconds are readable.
**9:12:03**
